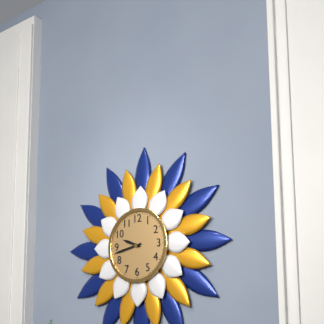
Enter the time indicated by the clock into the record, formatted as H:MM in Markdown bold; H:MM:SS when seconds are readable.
**9:43**
